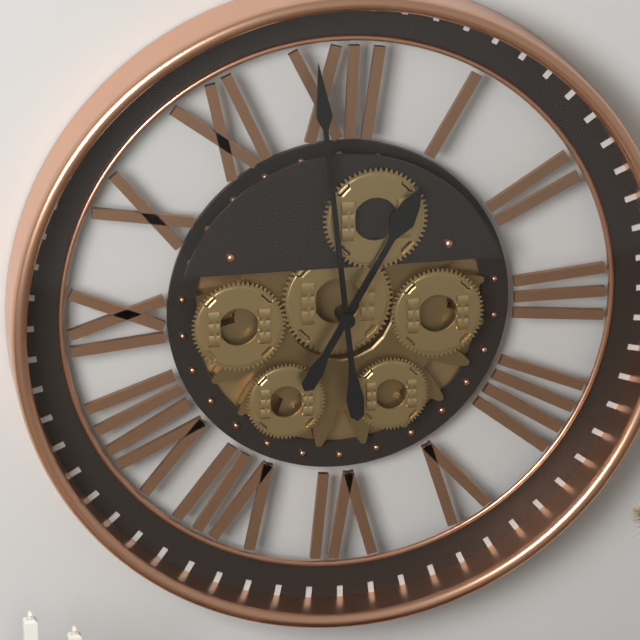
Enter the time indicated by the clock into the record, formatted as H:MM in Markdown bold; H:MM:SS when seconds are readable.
**12:59**
